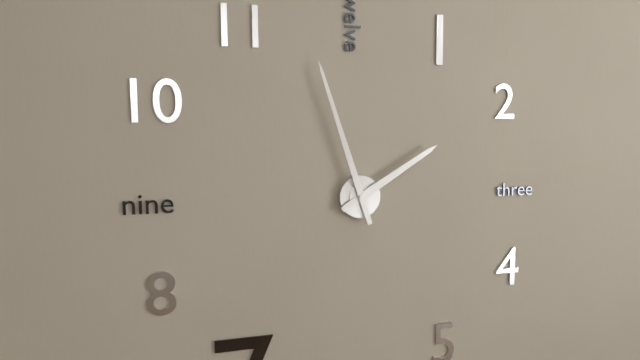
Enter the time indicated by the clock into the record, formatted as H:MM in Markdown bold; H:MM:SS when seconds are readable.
**1:57**
